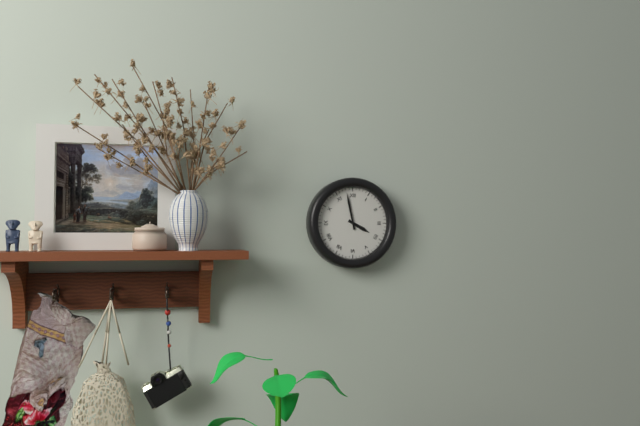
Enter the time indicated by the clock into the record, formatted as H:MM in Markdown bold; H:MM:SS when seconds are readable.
**3:58**
